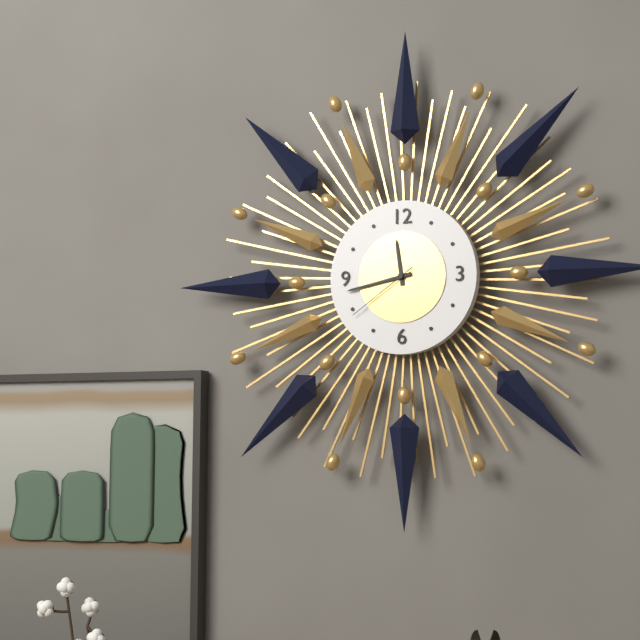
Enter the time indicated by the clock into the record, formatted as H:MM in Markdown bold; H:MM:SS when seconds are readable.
**11:43:39**
